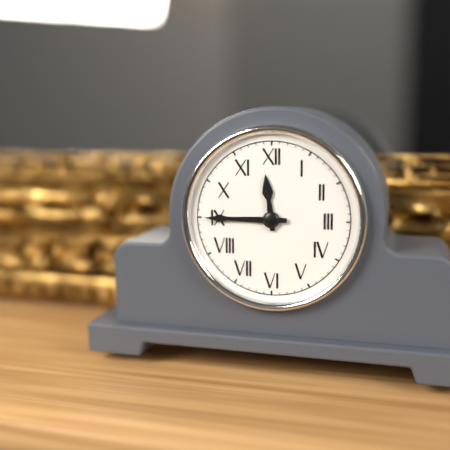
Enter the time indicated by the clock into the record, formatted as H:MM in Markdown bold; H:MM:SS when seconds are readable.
**11:45**
